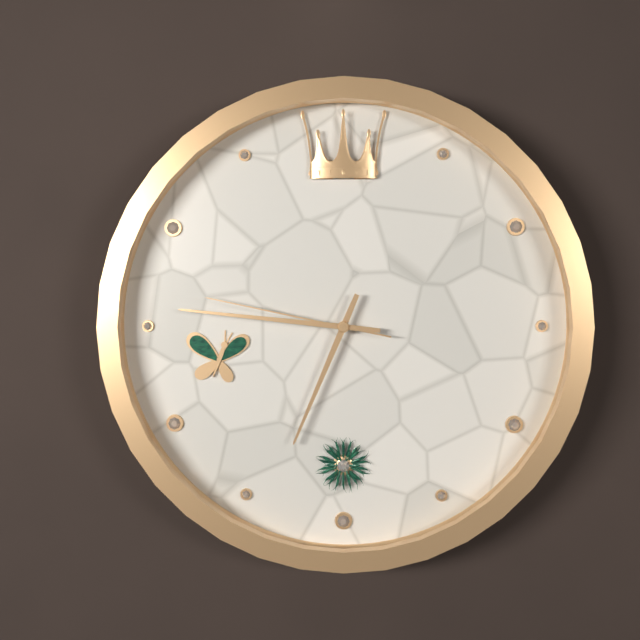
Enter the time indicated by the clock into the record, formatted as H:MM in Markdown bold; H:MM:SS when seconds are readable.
**6:46:47**
